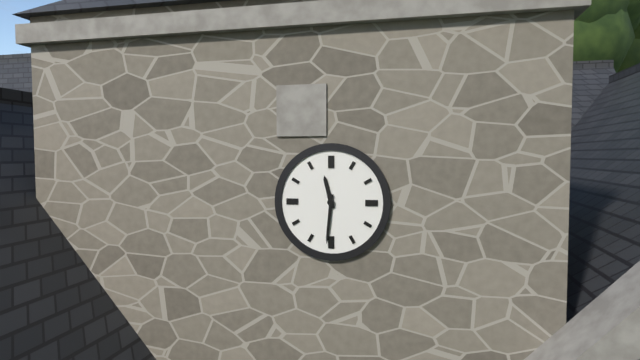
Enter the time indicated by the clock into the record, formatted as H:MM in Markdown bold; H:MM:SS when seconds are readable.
**11:31**
